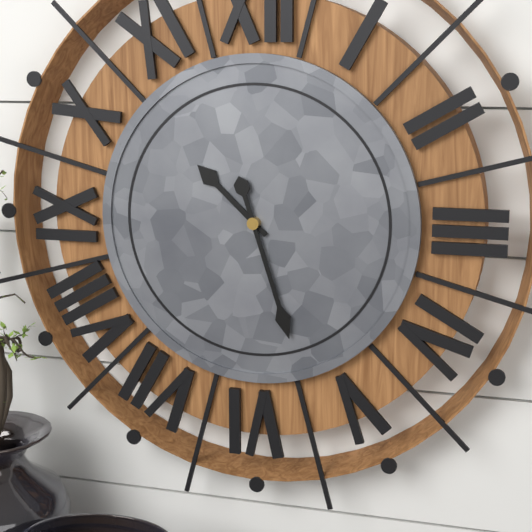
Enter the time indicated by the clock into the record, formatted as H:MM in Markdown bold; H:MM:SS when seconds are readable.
**10:27**
